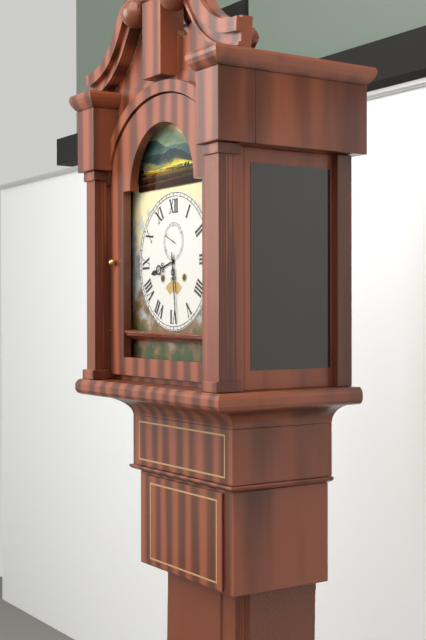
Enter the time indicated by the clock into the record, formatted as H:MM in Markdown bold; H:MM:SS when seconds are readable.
**8:29**
